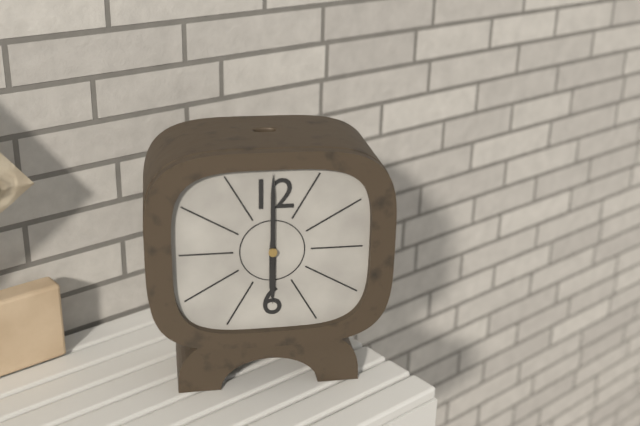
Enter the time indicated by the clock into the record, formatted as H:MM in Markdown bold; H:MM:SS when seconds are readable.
**6:00**
